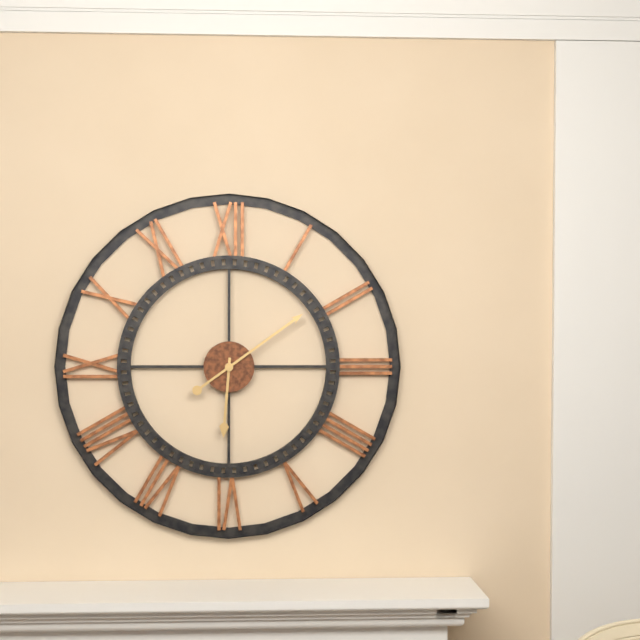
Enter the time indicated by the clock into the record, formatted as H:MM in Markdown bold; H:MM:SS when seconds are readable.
**6:09**
